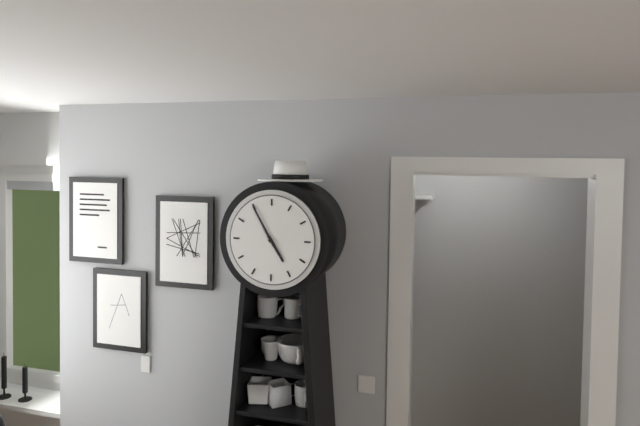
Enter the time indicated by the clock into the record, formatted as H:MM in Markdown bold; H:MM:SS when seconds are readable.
**4:55**
